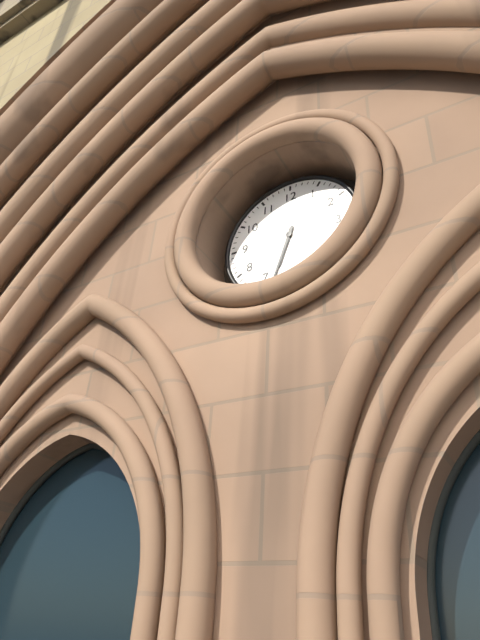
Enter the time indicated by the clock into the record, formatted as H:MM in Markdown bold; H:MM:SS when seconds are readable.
**6:33**
